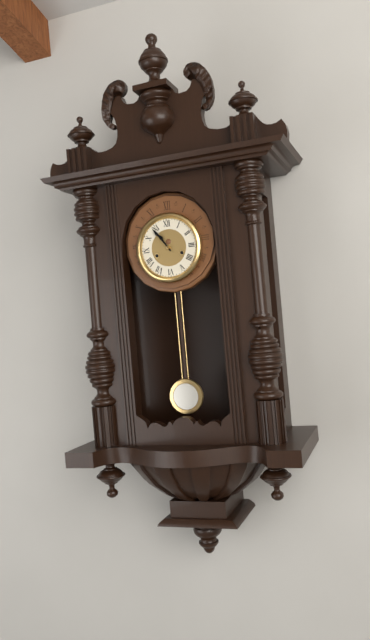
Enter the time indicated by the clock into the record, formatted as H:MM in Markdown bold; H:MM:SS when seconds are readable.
**10:54**
